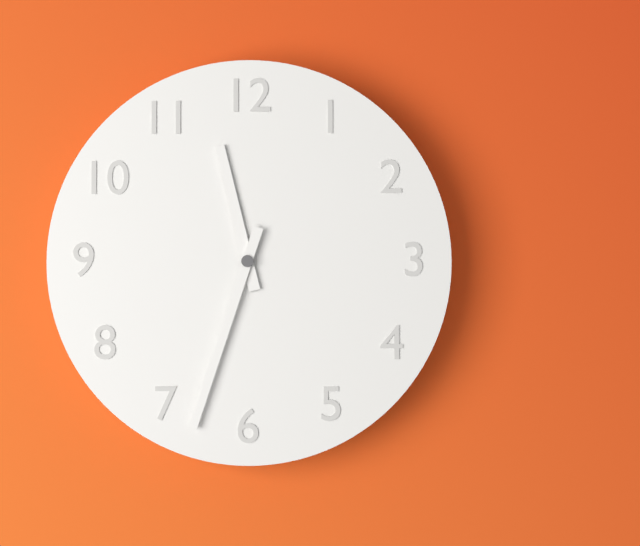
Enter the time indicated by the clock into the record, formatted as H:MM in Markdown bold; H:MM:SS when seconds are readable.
**11:33**
